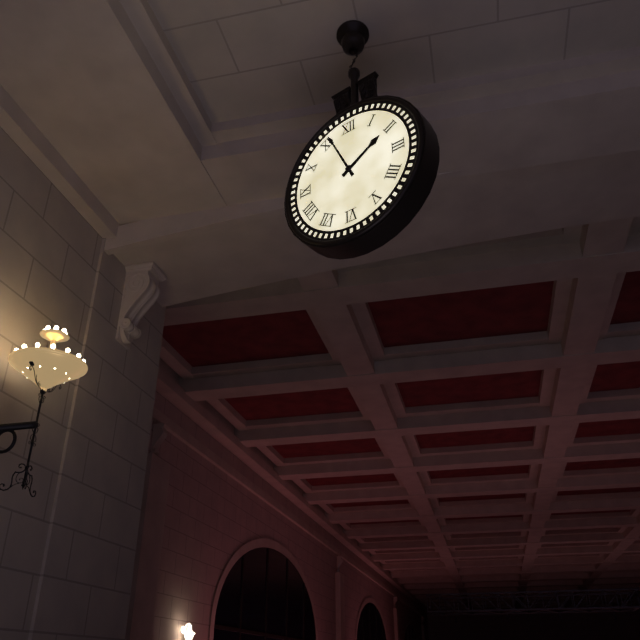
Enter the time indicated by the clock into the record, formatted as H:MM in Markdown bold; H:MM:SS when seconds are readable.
**1:56**
